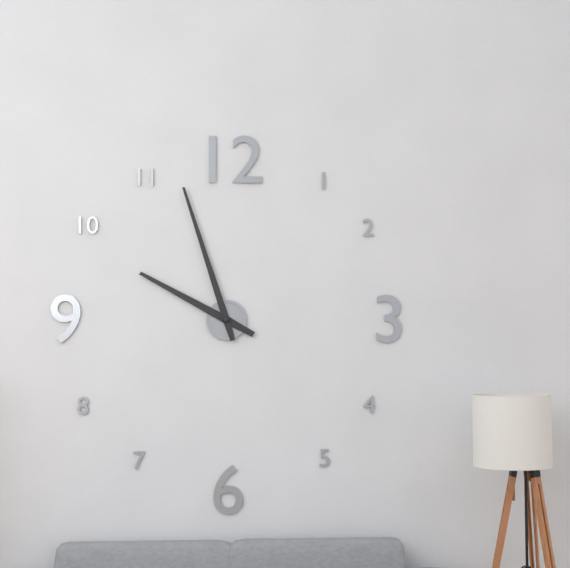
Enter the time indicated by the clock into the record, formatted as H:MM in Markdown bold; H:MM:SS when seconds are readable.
**9:57**
